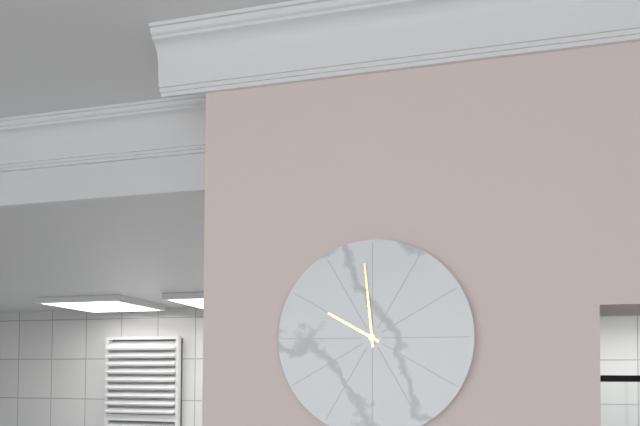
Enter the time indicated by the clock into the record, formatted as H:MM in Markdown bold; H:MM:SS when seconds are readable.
**9:59**
